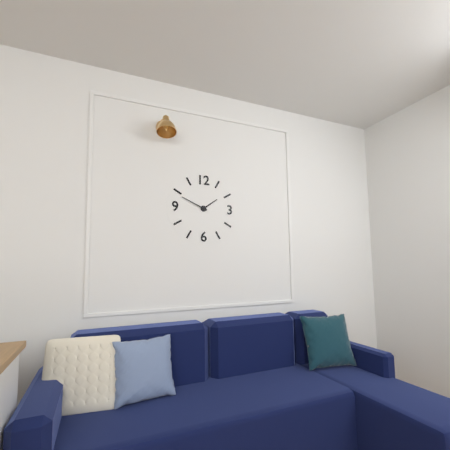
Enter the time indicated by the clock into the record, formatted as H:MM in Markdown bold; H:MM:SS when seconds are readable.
**1:49**
